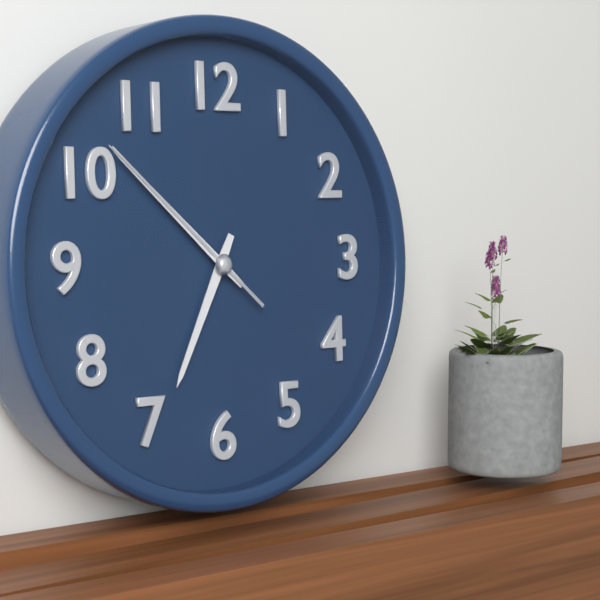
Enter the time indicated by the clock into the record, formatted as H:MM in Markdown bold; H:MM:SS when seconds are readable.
**6:52:52**
